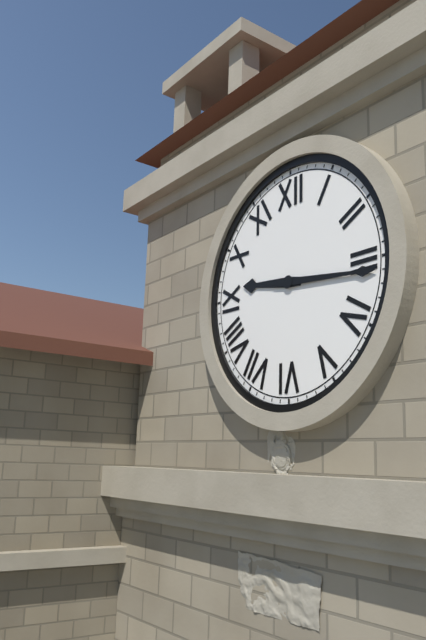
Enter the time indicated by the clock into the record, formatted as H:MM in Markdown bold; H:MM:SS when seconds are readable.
**9:16**
